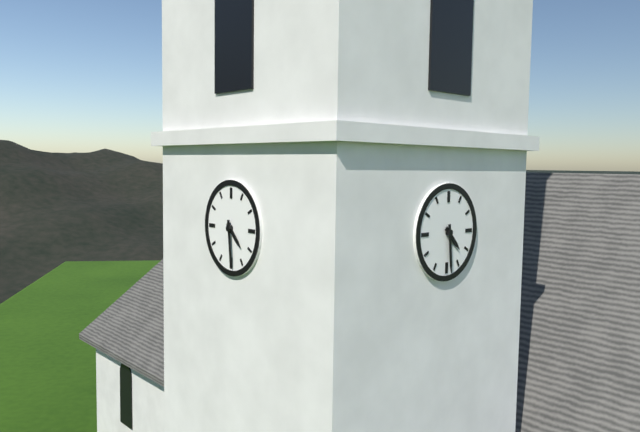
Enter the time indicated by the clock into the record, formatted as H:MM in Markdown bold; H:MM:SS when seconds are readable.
**4:29**
